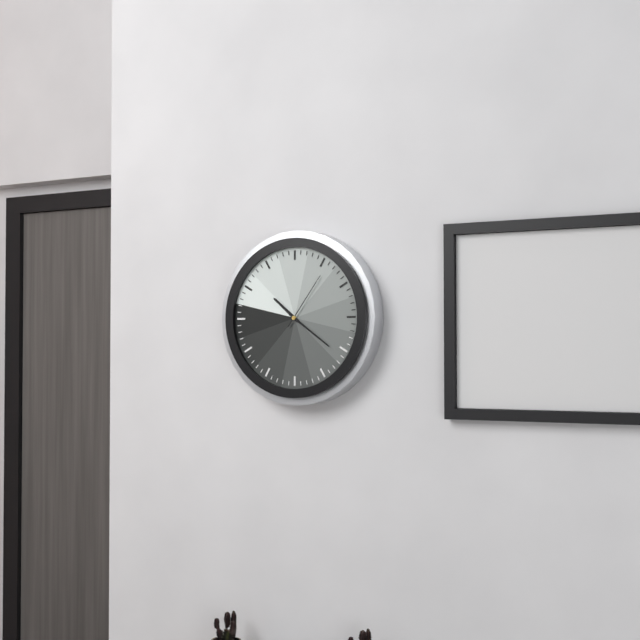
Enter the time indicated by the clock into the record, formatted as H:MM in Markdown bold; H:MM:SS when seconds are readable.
**10:21:06**
